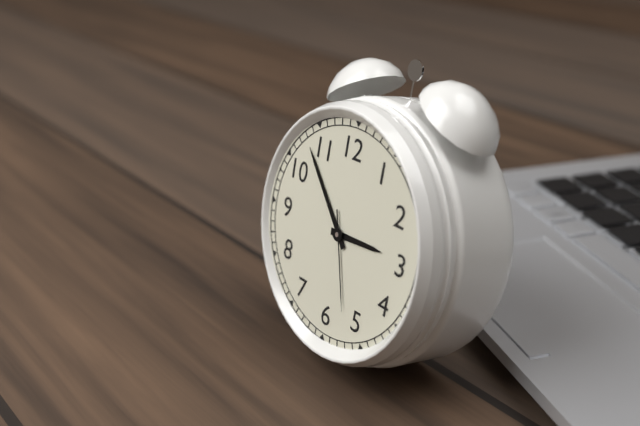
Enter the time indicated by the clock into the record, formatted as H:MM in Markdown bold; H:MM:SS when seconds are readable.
**2:53:27**
